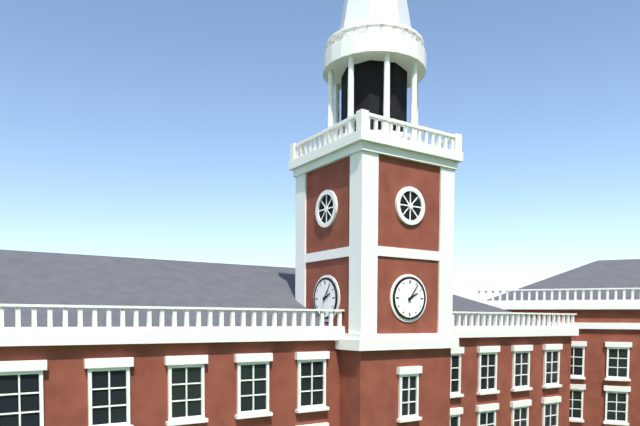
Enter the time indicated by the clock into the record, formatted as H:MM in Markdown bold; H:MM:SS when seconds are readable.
**2:06**
